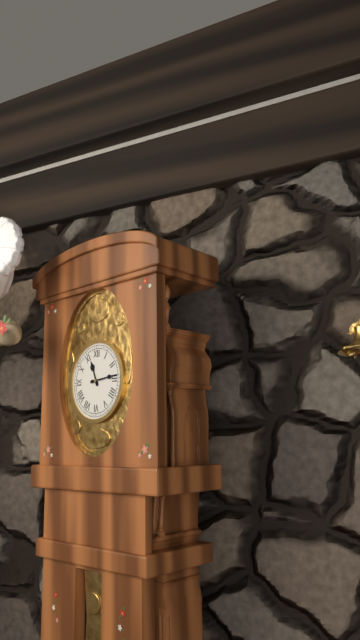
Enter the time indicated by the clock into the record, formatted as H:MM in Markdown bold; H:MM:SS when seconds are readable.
**11:14**
